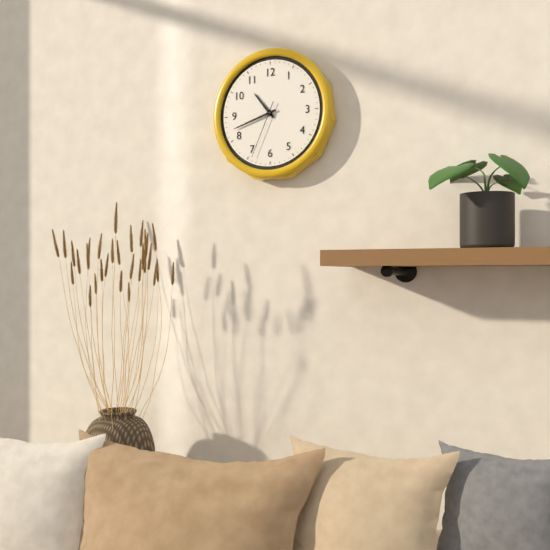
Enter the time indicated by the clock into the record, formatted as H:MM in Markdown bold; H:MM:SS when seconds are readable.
**10:42:34**
